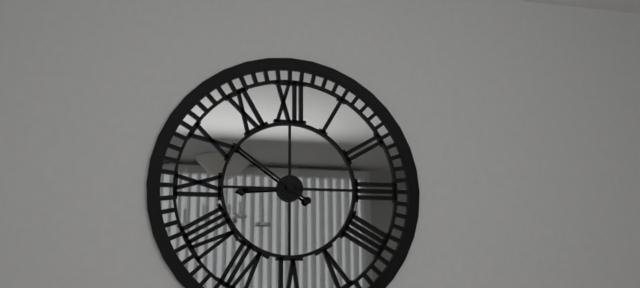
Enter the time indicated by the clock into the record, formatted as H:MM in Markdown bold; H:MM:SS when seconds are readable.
**8:51**
